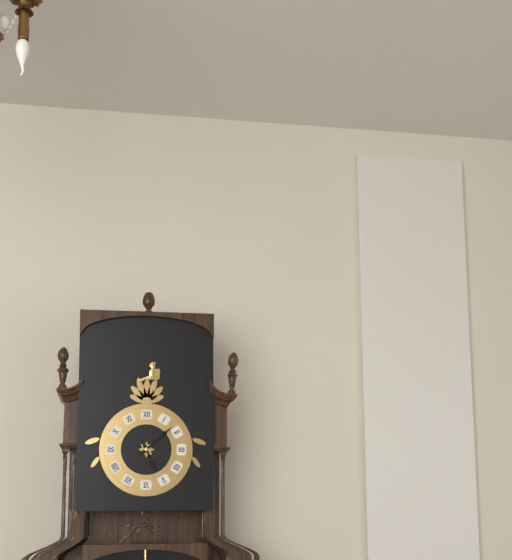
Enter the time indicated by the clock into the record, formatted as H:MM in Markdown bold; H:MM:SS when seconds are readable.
**5:08**
